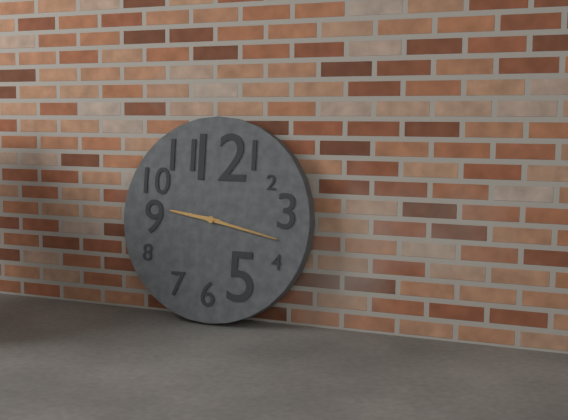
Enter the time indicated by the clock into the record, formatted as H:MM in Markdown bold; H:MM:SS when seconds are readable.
**9:17**
